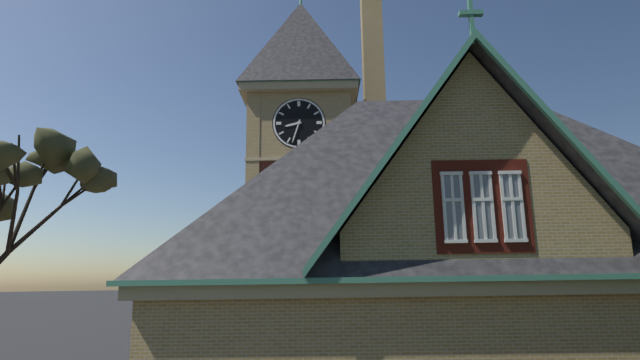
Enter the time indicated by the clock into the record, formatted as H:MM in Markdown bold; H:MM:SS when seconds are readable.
**8:33**
